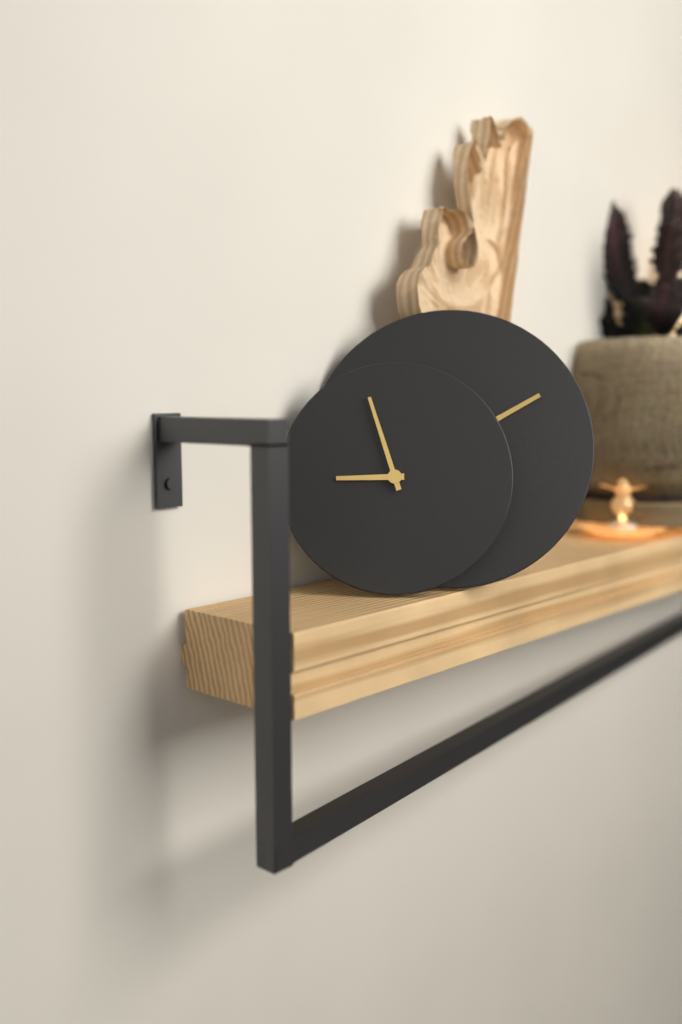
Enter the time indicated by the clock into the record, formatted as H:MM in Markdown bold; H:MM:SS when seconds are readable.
**8:57**
